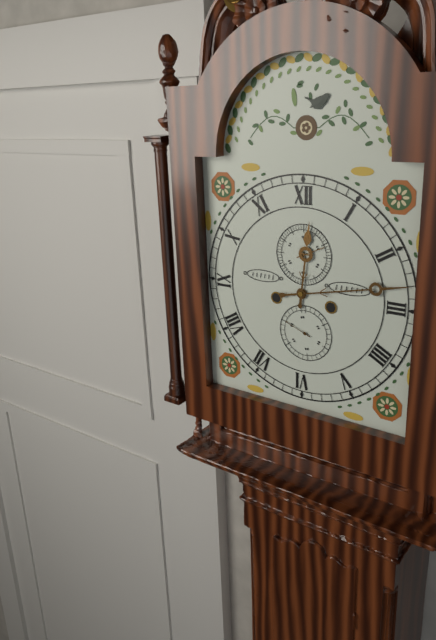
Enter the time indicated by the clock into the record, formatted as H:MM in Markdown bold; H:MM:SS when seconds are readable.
**12:13**
